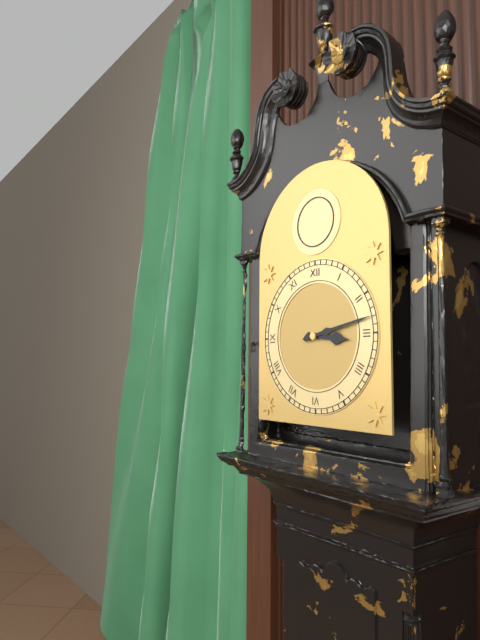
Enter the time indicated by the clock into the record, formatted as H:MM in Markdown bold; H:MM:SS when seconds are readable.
**3:13**
